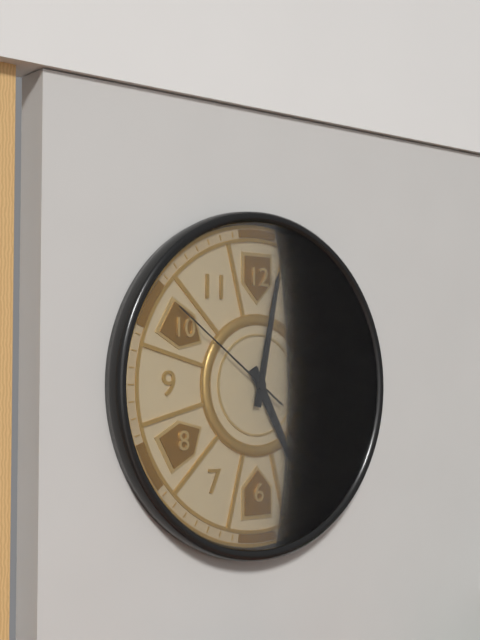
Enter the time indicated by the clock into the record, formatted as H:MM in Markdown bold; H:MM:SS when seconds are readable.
**5:02:51**
